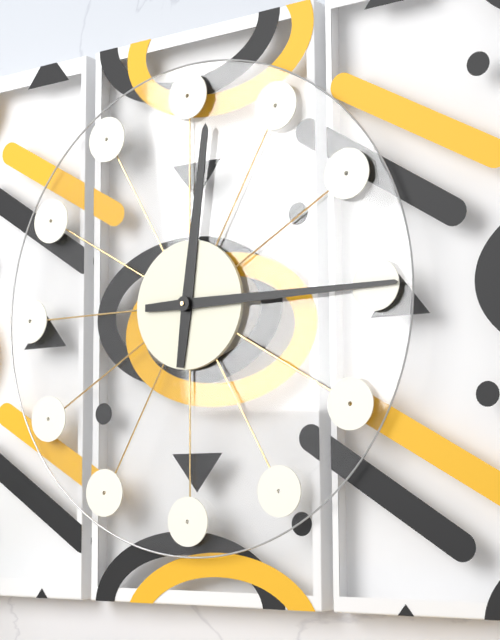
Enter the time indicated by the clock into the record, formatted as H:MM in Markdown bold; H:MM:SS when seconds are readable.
**12:15**
